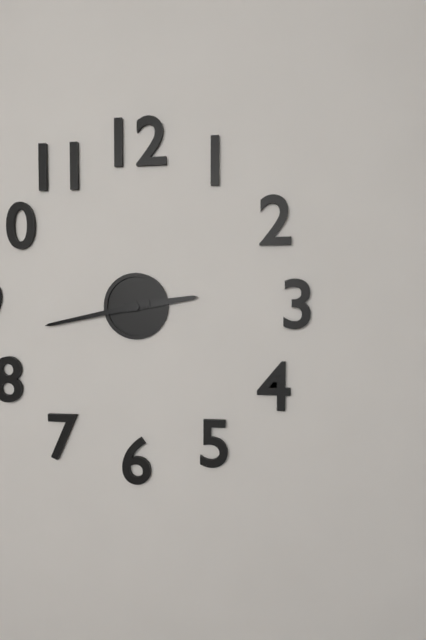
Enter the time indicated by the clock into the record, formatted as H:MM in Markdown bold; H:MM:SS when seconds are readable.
**2:43**
